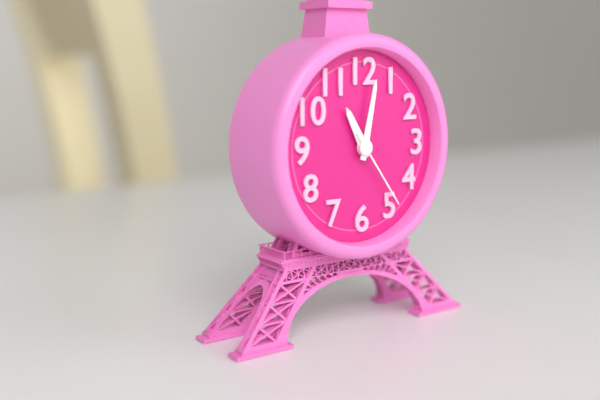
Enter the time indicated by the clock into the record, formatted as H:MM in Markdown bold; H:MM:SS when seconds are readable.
**11:02:24**
